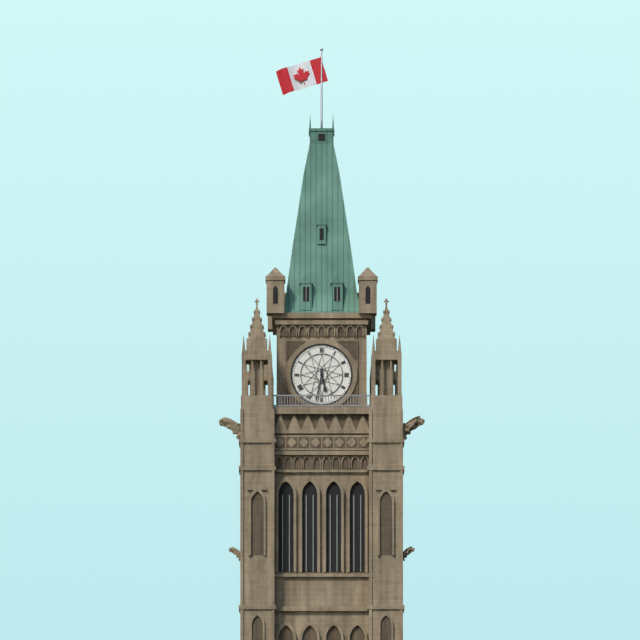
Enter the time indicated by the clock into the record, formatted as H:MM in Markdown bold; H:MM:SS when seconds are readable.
**5:32**
